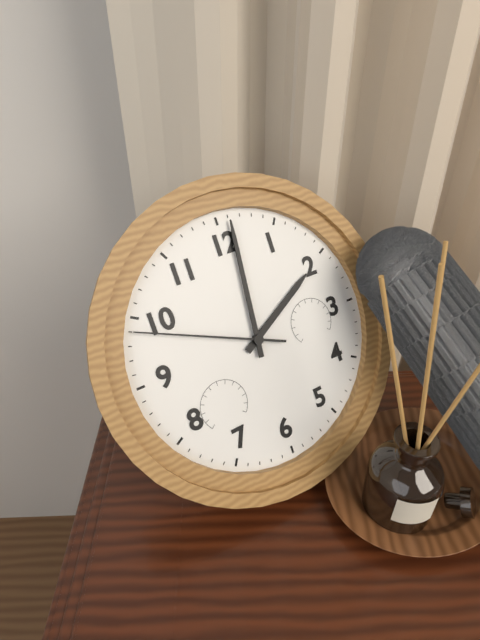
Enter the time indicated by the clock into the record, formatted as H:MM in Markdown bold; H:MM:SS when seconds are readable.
**2:01:49**
